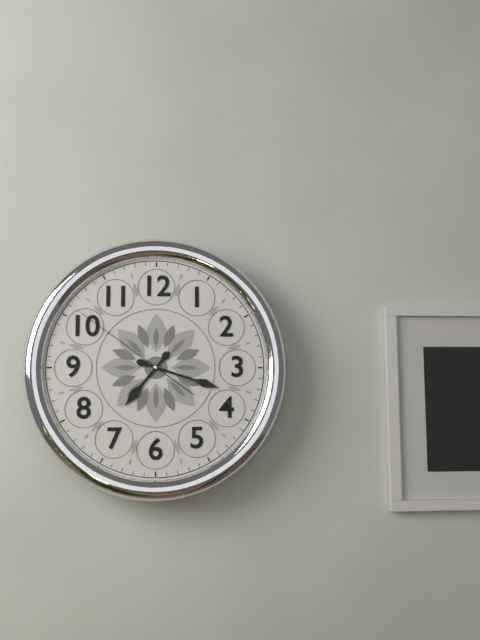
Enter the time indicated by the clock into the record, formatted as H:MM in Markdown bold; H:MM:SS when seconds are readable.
**7:18:51**
